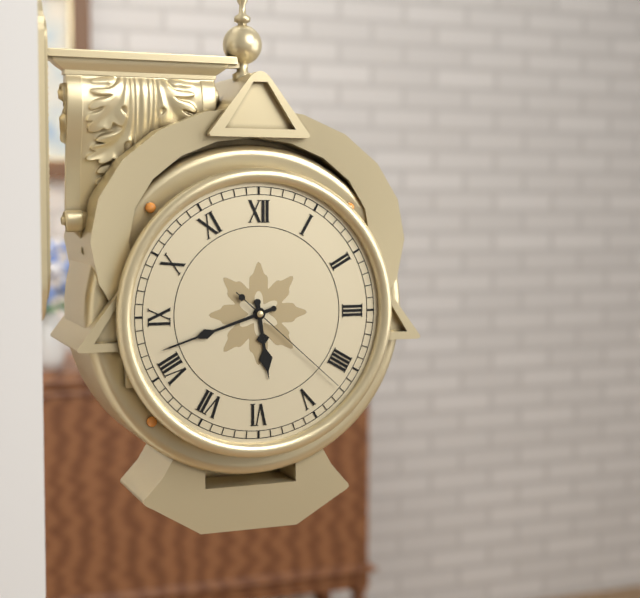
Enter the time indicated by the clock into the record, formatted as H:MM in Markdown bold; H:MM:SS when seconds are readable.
**5:42:22**
